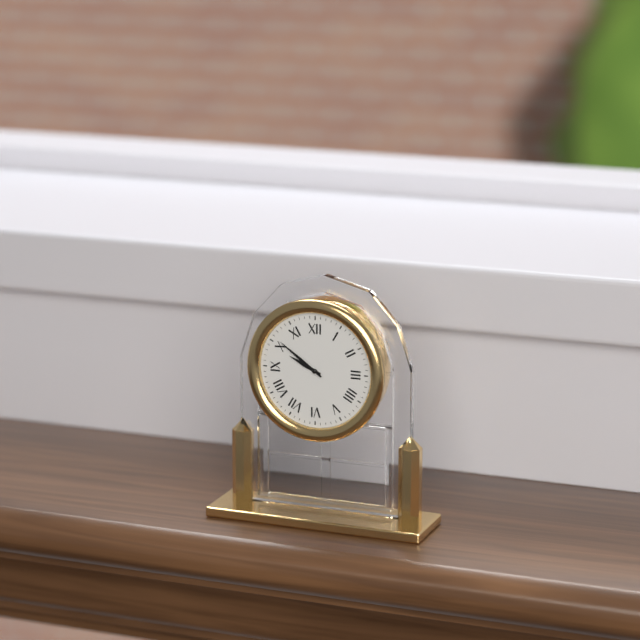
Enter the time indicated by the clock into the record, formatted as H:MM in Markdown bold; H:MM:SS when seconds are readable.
**9:51**
